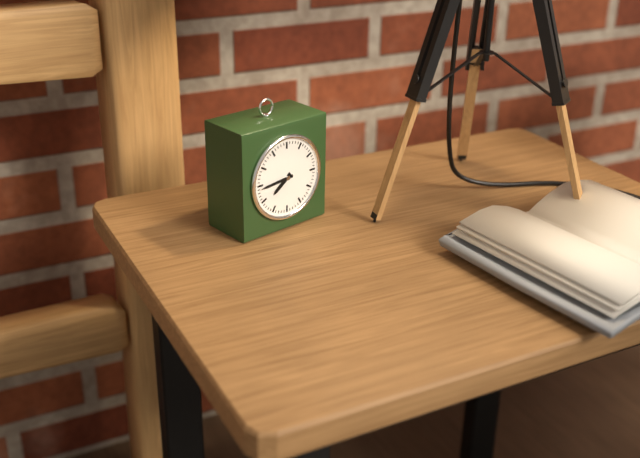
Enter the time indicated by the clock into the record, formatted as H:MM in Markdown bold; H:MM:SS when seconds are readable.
**7:44**
